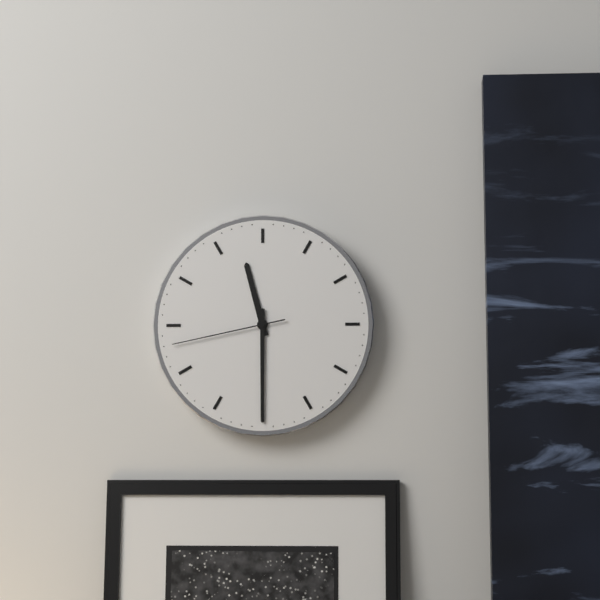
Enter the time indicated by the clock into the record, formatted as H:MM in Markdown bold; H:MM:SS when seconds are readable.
**11:30:43**
